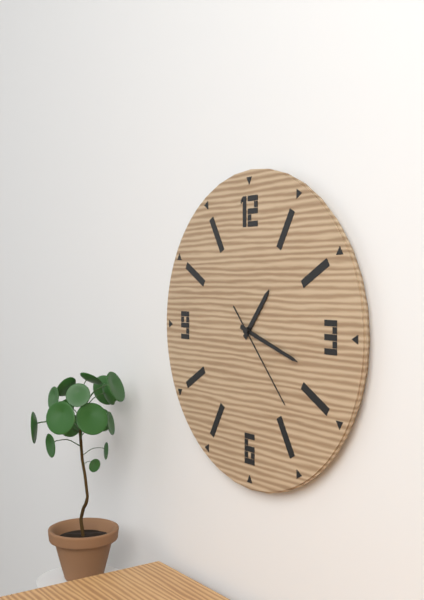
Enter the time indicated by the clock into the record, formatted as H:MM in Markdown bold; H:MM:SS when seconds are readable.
**1:18:23**
